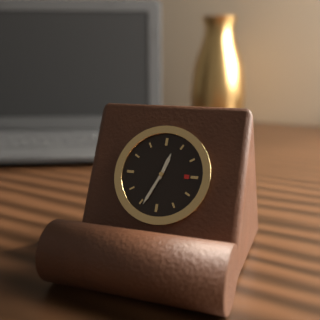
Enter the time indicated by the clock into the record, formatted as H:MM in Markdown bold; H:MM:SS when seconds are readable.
**12:34**
